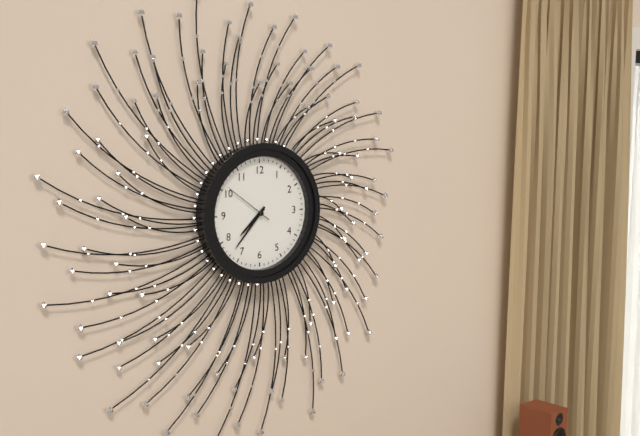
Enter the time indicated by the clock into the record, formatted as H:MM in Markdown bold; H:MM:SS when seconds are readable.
**7:37:51**
